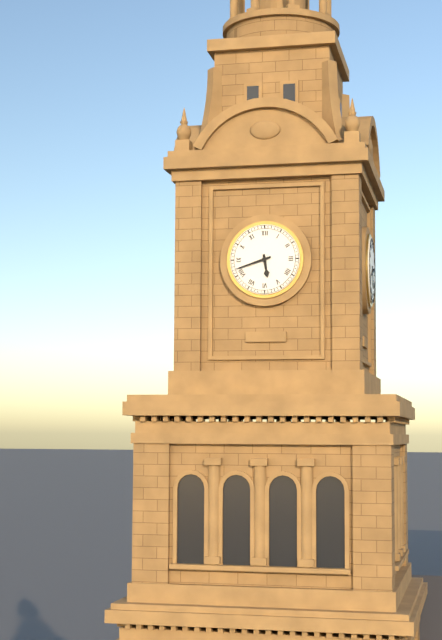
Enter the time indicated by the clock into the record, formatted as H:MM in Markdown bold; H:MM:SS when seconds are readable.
**5:42**
